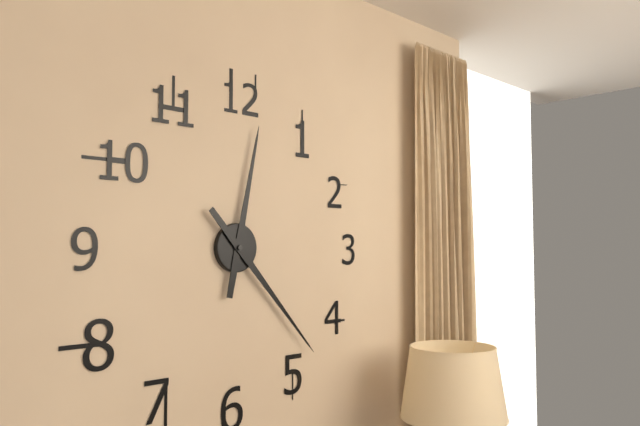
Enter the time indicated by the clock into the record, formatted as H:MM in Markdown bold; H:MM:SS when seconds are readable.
**12:23**
